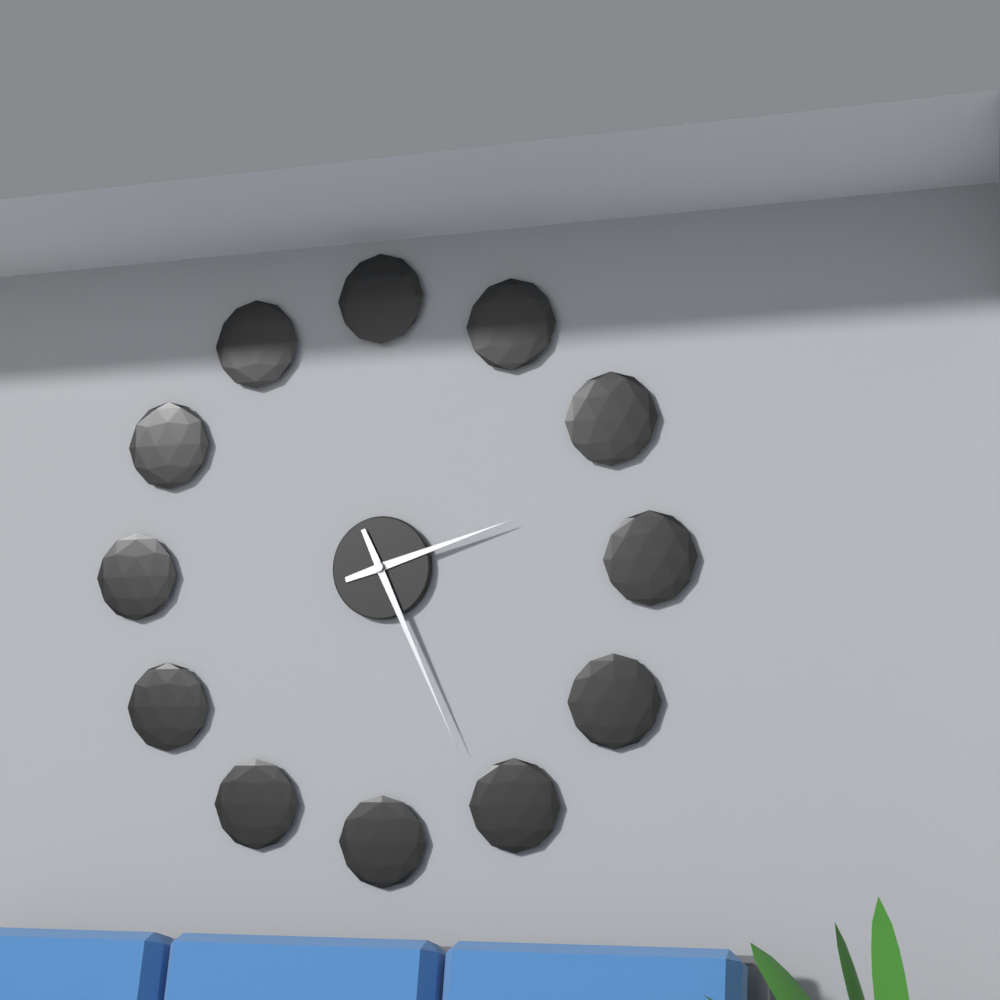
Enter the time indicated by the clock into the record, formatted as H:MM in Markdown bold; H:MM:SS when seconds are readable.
**2:26**
